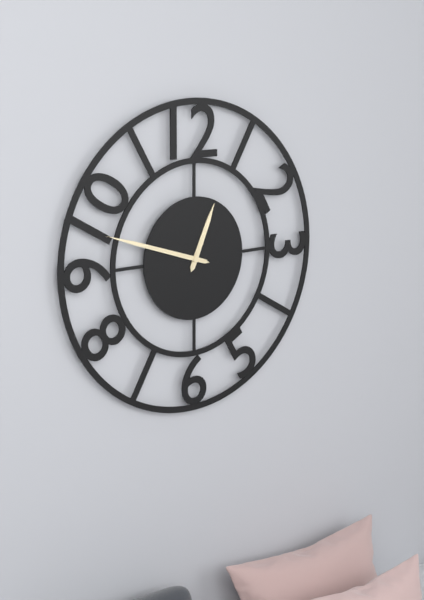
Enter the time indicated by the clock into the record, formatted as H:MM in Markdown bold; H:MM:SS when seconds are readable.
**12:48**
